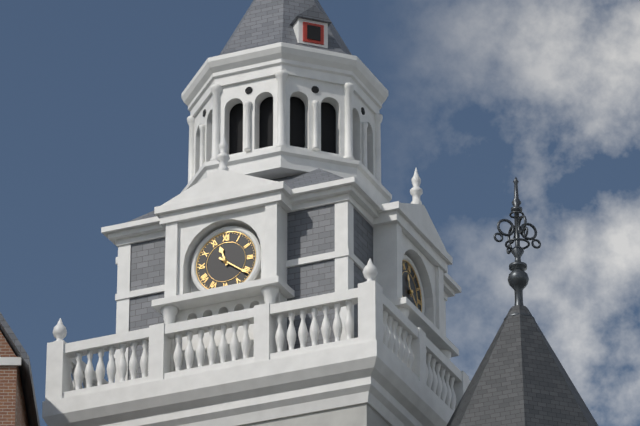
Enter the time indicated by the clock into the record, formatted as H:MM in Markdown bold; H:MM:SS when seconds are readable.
**11:21**
